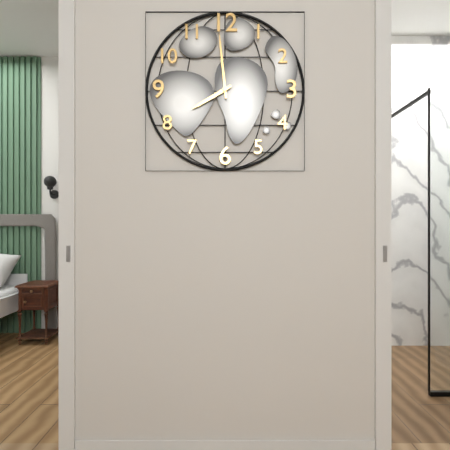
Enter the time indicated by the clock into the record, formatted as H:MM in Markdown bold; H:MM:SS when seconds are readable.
**7:59**
